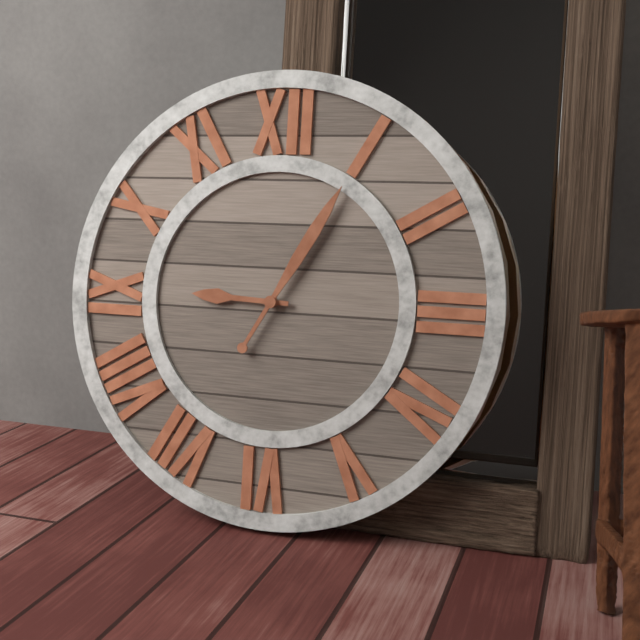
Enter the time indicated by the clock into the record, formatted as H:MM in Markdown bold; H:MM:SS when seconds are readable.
**9:05**
